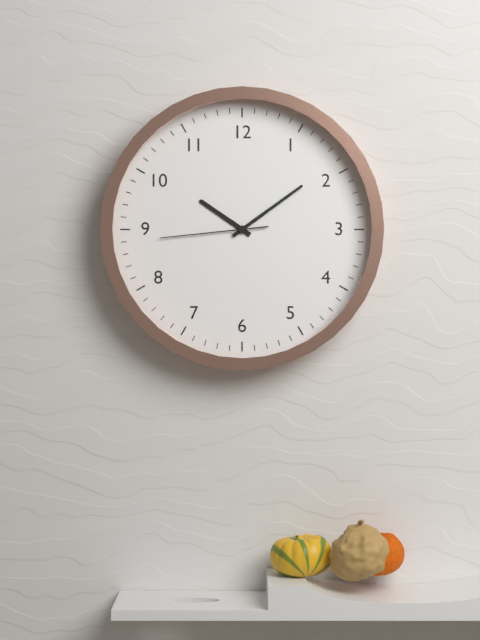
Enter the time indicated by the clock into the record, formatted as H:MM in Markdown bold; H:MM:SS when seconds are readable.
**10:09:44**
